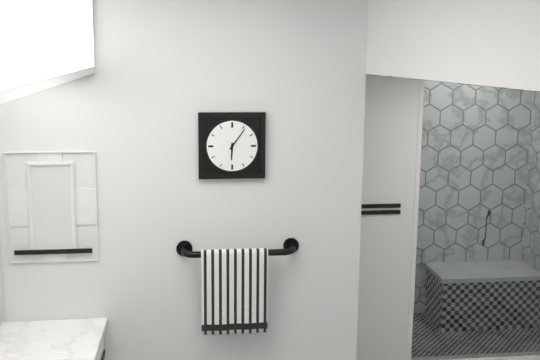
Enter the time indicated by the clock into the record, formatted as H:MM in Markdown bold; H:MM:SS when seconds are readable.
**6:06**
